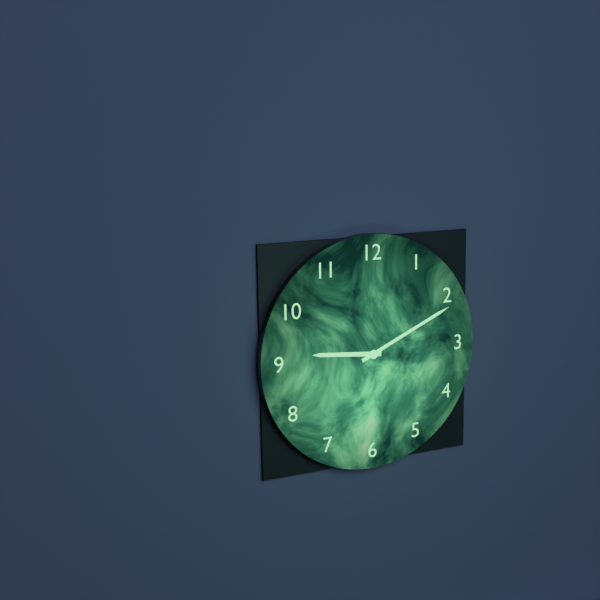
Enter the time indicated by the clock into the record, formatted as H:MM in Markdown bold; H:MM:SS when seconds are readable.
**9:11**
